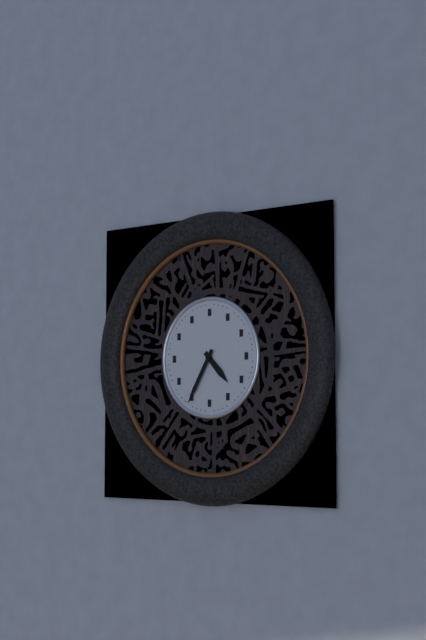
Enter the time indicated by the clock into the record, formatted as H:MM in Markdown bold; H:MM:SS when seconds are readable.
**4:35**
